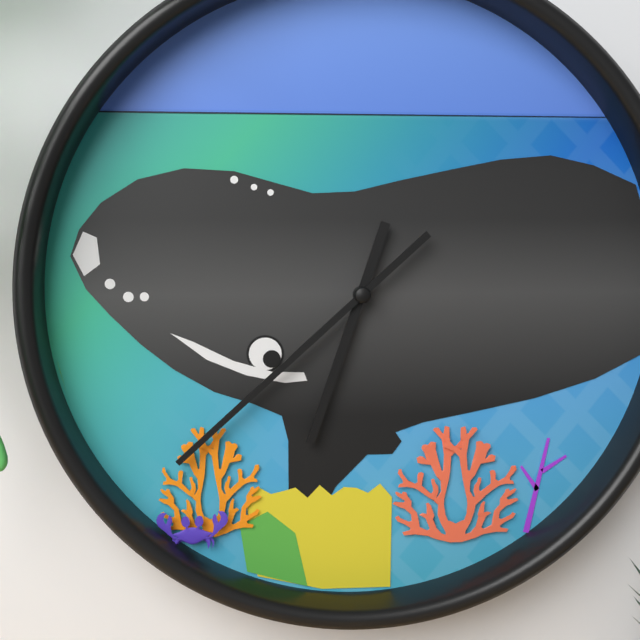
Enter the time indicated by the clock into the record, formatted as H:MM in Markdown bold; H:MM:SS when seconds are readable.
**6:38**
